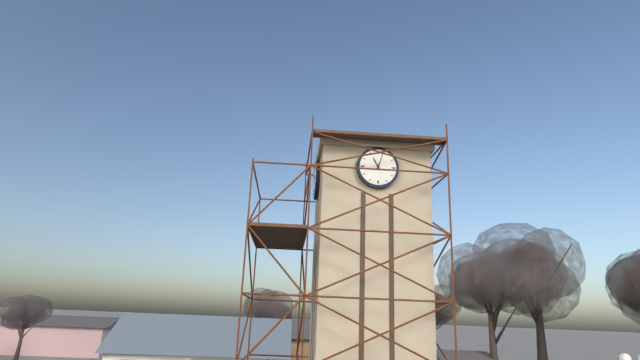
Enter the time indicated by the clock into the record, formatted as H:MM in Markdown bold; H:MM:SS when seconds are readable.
**11:03**
